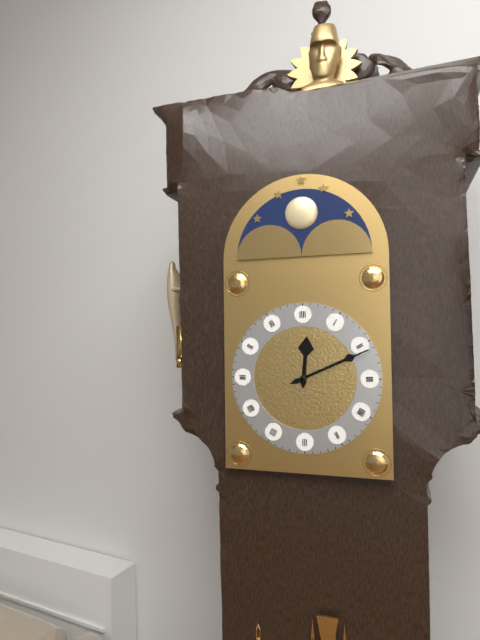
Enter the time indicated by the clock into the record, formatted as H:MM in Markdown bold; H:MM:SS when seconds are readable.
**12:11**
